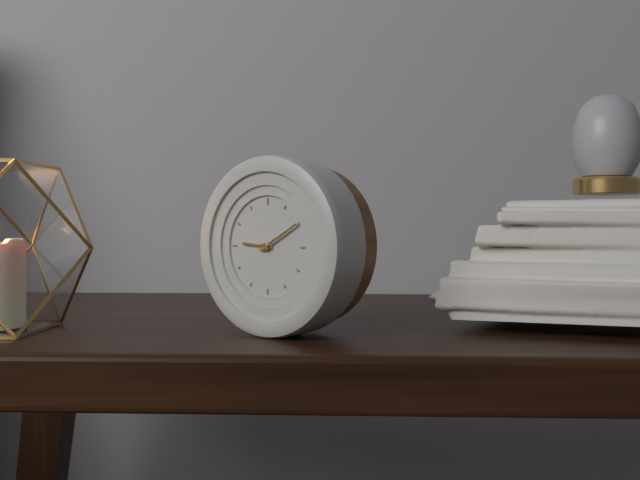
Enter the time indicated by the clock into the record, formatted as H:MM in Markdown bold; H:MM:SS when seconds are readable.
**9:10**
